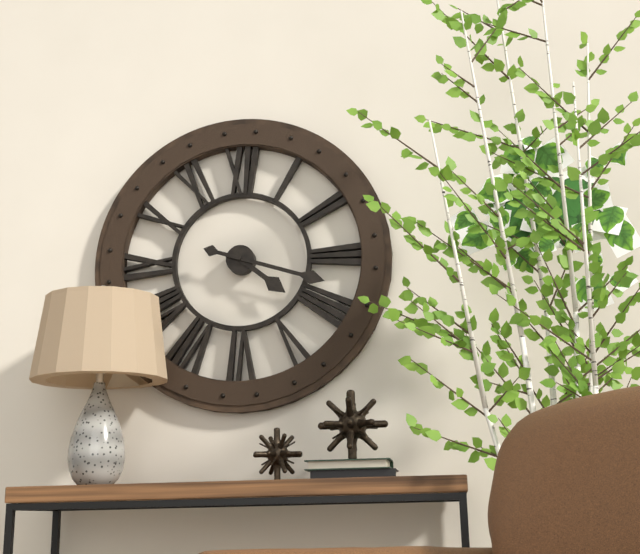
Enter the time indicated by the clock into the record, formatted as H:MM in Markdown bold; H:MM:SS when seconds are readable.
**4:18**
